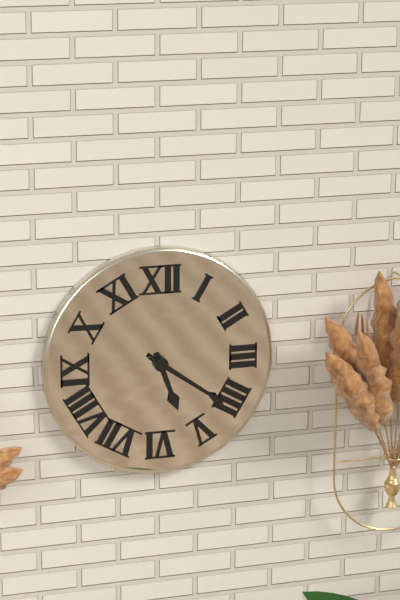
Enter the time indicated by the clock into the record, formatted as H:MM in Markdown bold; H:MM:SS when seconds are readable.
**5:21**
